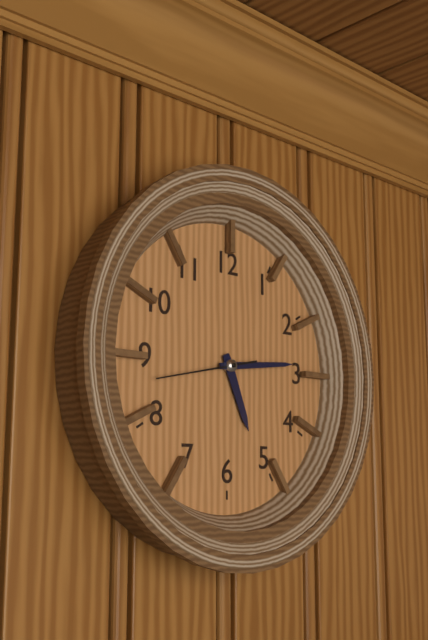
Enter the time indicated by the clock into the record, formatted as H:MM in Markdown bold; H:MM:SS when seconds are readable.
**5:14:43**
